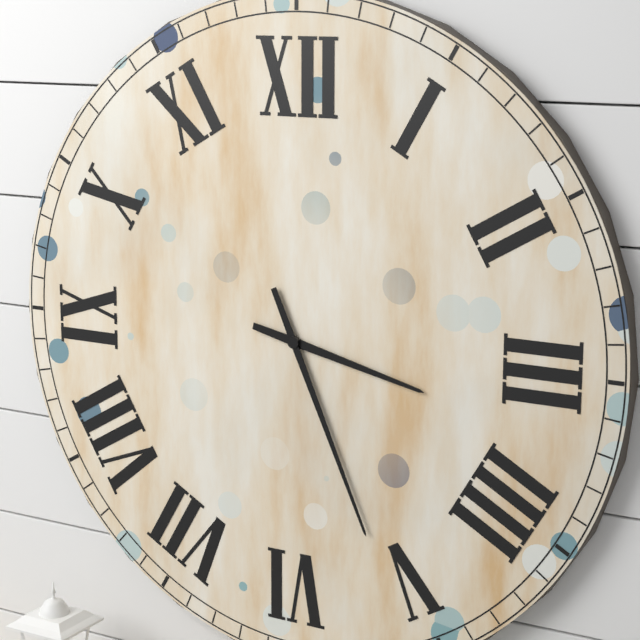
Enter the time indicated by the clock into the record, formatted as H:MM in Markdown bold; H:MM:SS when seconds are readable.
**3:26**
